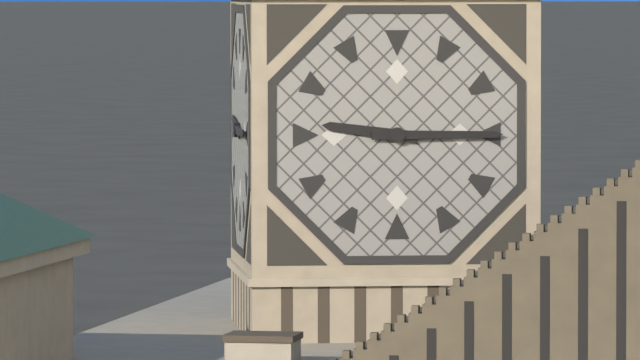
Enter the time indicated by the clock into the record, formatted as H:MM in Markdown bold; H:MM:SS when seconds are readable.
**9:15**
